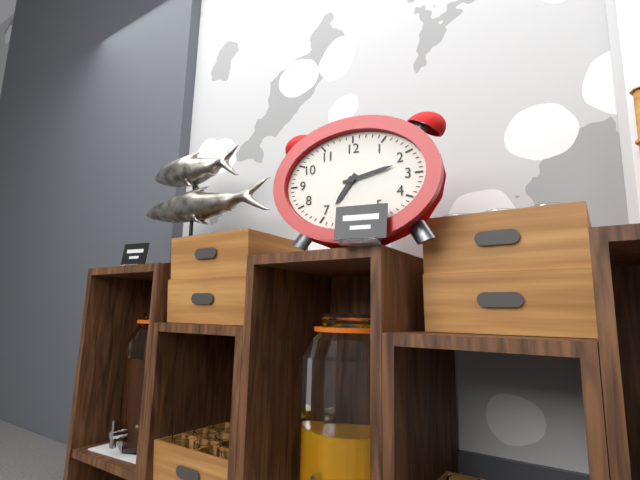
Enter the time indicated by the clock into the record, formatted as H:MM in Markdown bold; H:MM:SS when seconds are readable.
**7:13**
